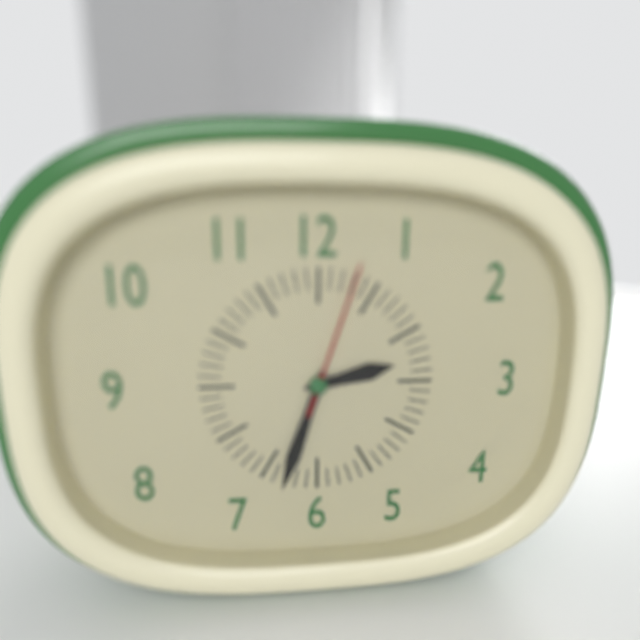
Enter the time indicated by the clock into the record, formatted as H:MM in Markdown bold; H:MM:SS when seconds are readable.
**2:33:03**
